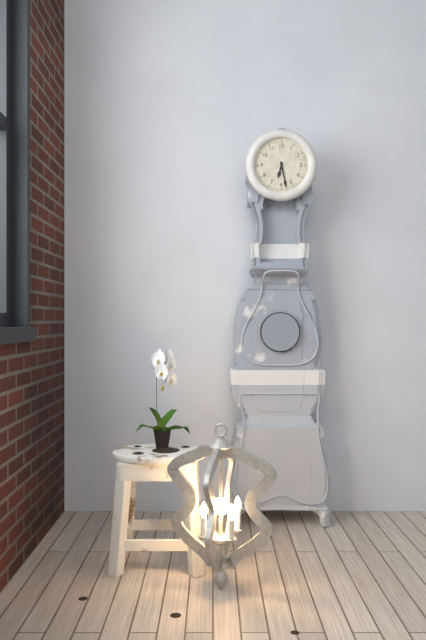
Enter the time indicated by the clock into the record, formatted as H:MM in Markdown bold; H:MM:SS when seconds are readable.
**6:28**
